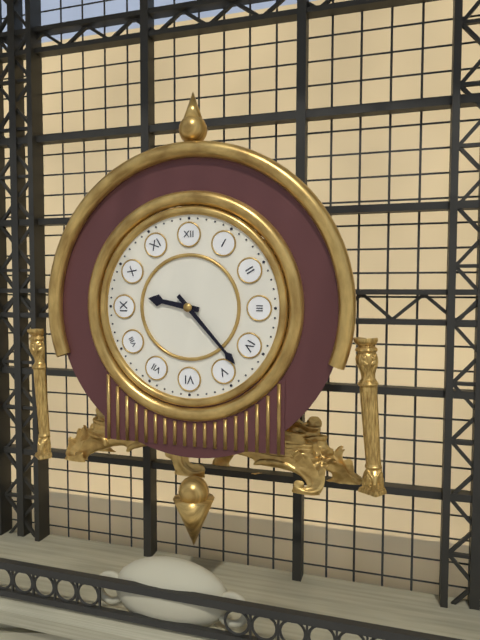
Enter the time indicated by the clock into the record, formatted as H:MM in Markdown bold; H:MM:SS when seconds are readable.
**9:23**
